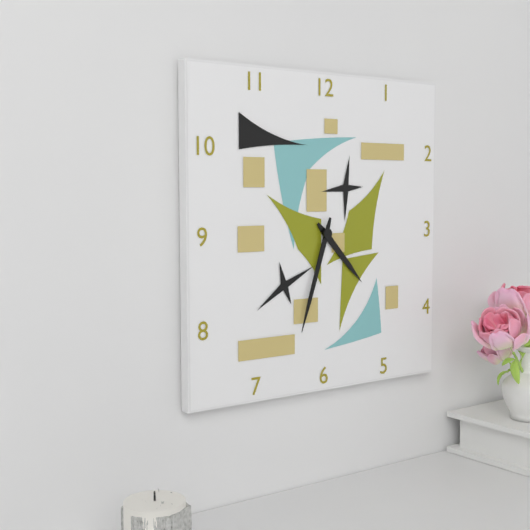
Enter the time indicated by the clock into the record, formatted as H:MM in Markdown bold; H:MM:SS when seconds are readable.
**4:33**
